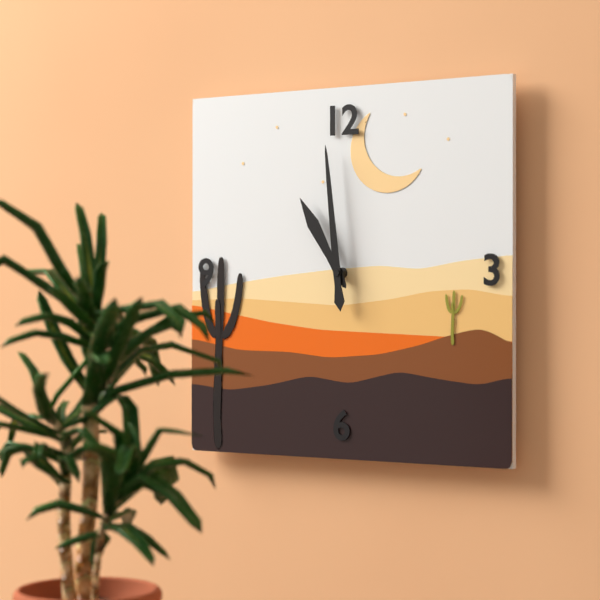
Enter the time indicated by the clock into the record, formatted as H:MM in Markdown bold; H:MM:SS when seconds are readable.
**10:59**
